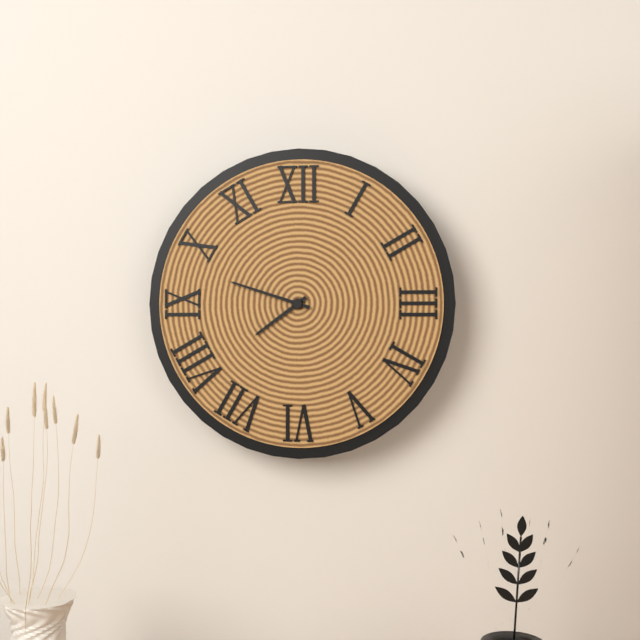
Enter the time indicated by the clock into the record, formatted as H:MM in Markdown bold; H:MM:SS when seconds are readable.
**7:48**
